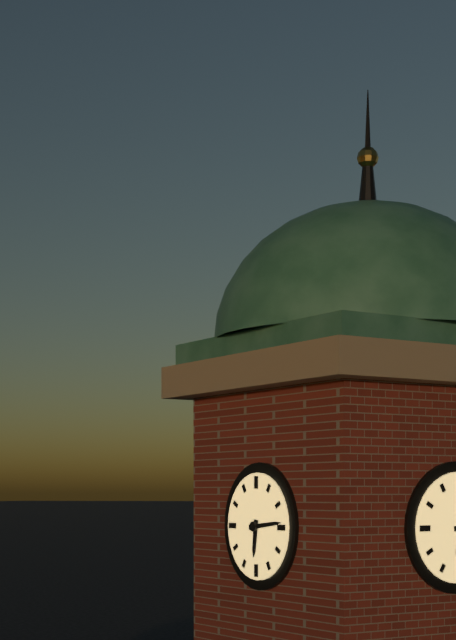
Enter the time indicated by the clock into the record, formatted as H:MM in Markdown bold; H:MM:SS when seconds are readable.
**6:14**
